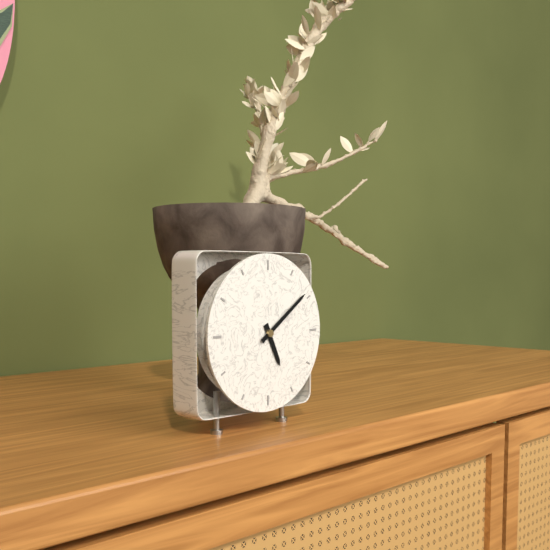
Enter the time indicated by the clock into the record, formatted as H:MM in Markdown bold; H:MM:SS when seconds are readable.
**5:09**
